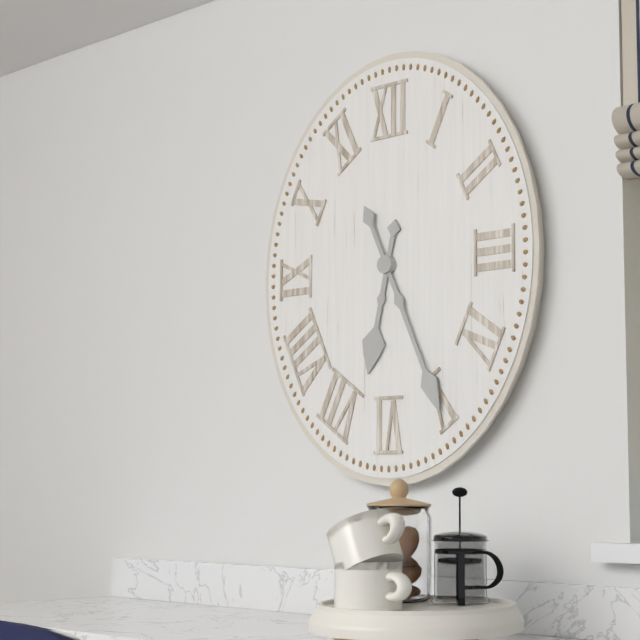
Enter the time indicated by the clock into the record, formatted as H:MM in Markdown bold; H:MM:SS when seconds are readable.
**6:26**
